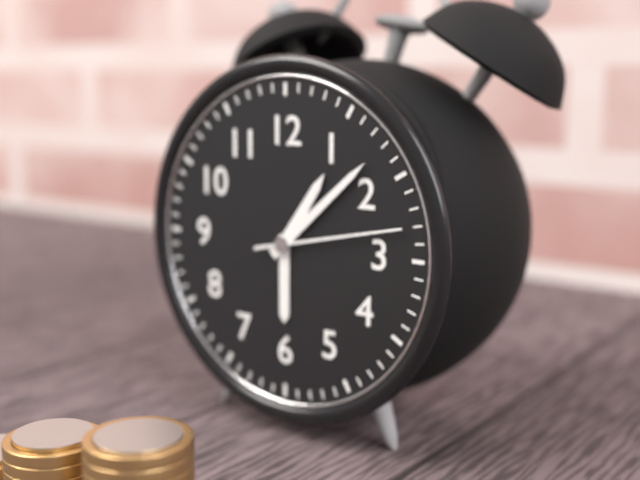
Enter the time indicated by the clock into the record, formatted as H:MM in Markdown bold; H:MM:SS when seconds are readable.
**1:08:13**
